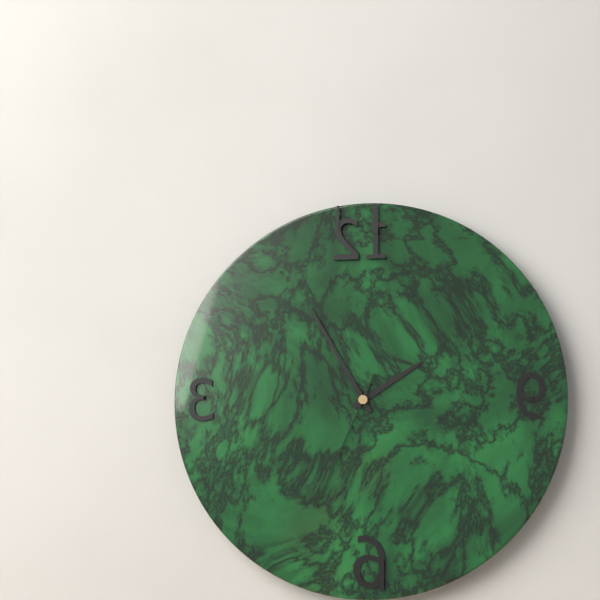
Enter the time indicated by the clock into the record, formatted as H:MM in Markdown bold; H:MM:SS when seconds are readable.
**1:55:34**
